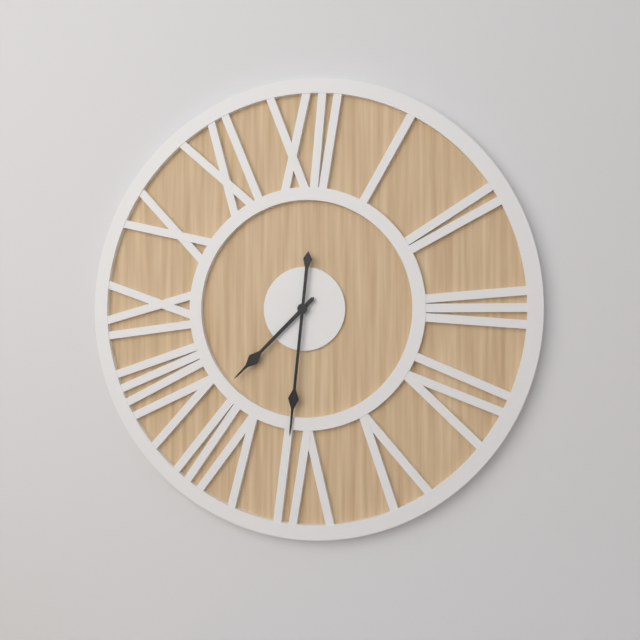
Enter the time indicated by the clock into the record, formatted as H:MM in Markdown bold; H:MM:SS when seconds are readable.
**7:31**
